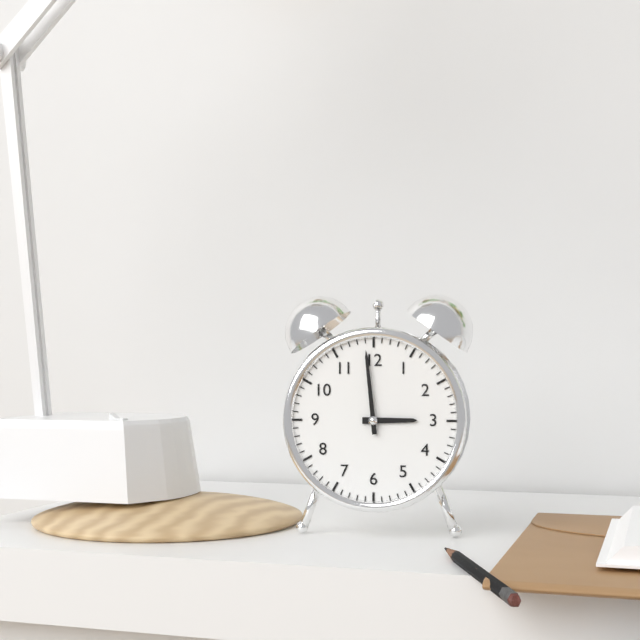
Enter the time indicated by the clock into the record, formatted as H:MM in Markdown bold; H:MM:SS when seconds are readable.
**2:59**
